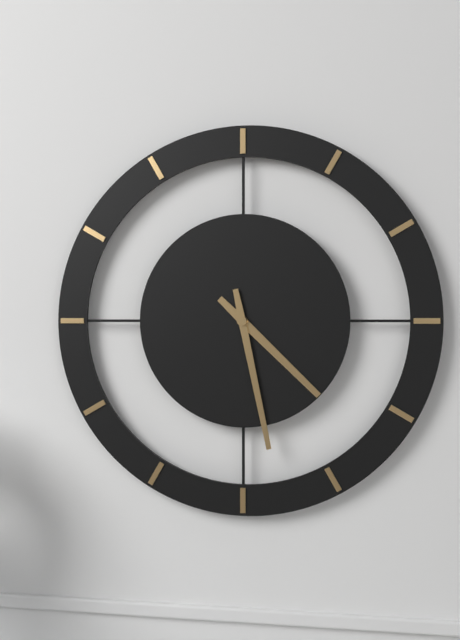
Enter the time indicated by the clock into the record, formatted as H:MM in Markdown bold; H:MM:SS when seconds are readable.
**4:28**
